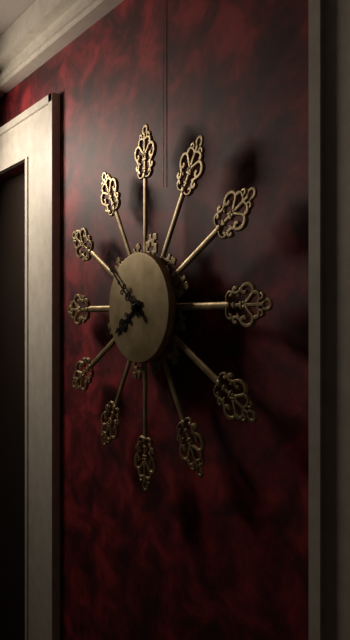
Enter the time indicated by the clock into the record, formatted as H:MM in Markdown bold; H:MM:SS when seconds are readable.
**7:52**
